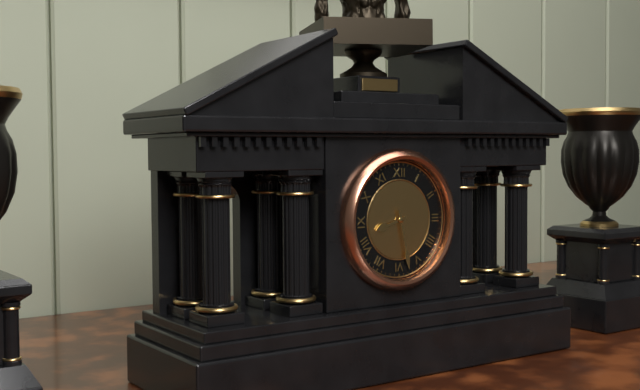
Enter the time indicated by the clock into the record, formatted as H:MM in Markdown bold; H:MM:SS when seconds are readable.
**8:28**
